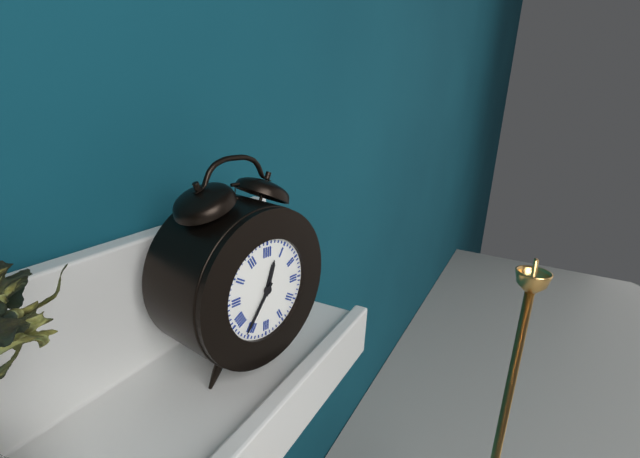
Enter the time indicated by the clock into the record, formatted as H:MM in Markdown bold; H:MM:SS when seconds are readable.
**12:36**
